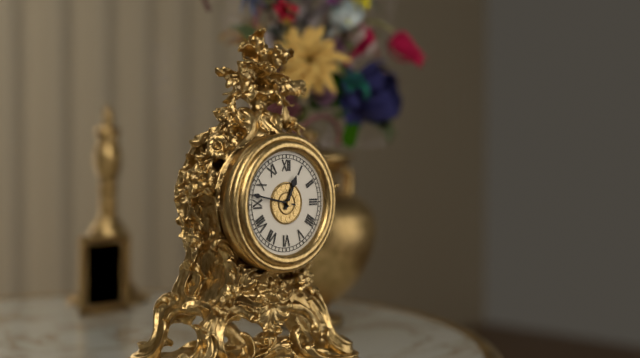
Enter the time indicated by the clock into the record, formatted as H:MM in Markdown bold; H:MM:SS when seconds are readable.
**12:47**
